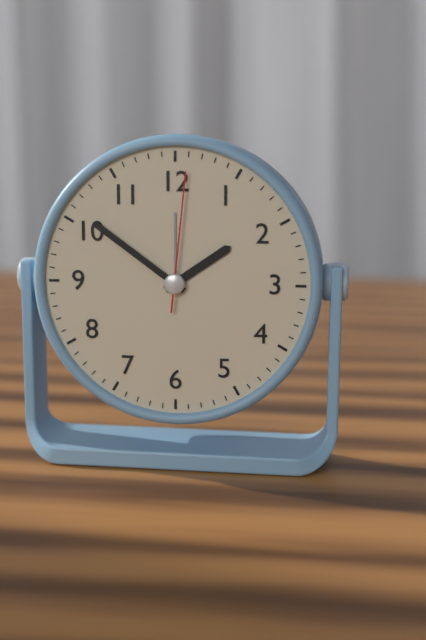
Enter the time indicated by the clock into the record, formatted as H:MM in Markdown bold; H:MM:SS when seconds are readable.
**1:51:01**
